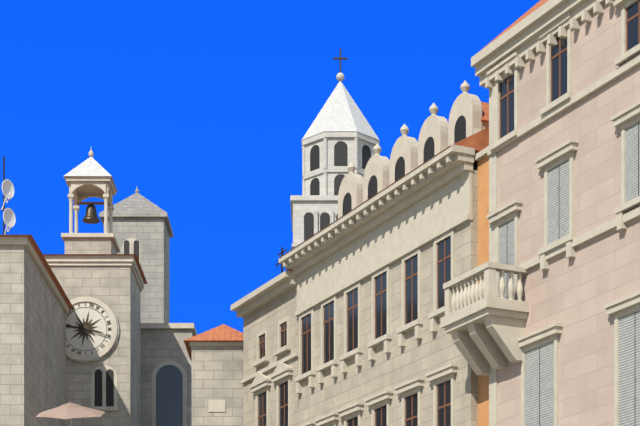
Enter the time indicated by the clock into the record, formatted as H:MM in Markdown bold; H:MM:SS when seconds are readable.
**9:18**
